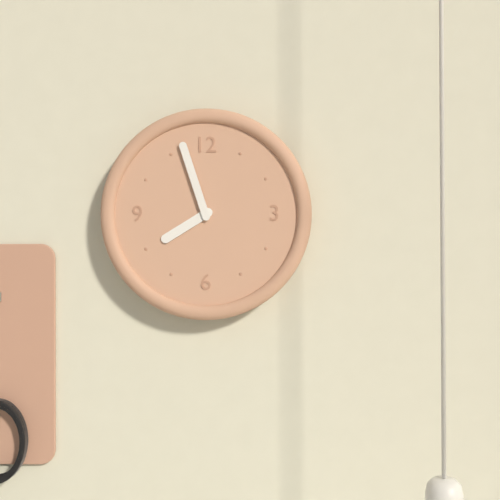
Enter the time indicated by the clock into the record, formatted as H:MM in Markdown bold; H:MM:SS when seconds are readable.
**7:57**
